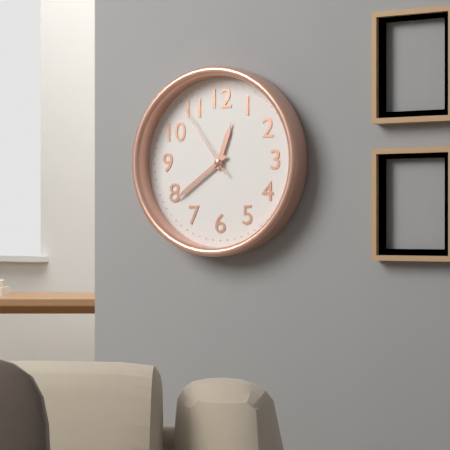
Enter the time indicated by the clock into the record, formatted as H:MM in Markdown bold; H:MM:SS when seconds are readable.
**12:39:54**
